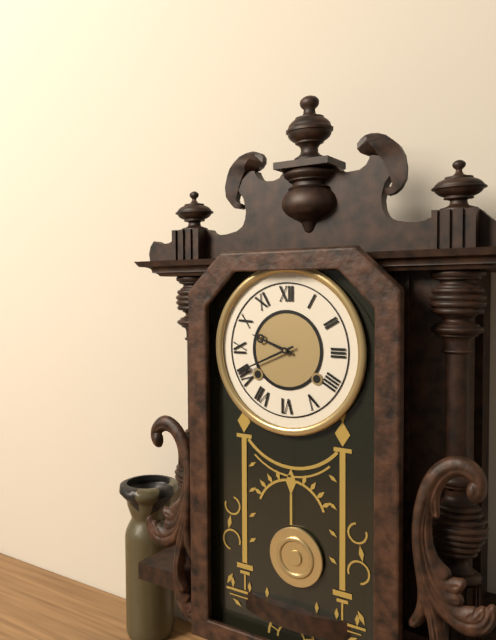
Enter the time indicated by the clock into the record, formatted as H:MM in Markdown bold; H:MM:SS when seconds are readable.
**9:41**
